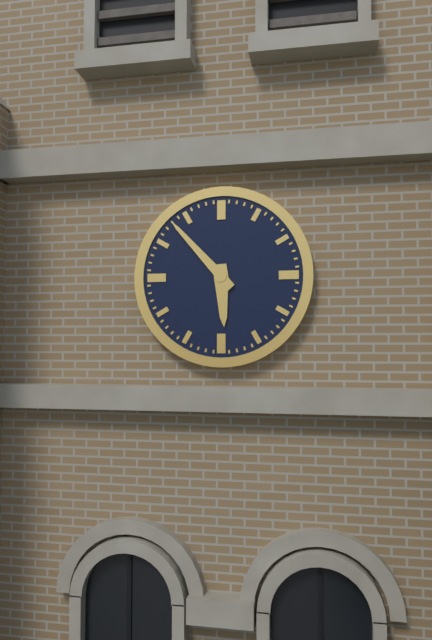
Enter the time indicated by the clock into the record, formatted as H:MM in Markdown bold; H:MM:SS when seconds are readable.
**5:53**
